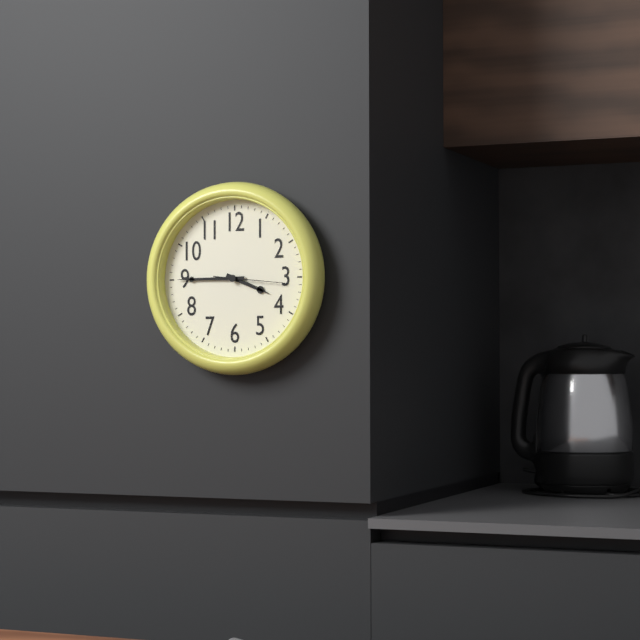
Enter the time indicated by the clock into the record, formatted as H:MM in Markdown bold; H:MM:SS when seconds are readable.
**3:45:16**
